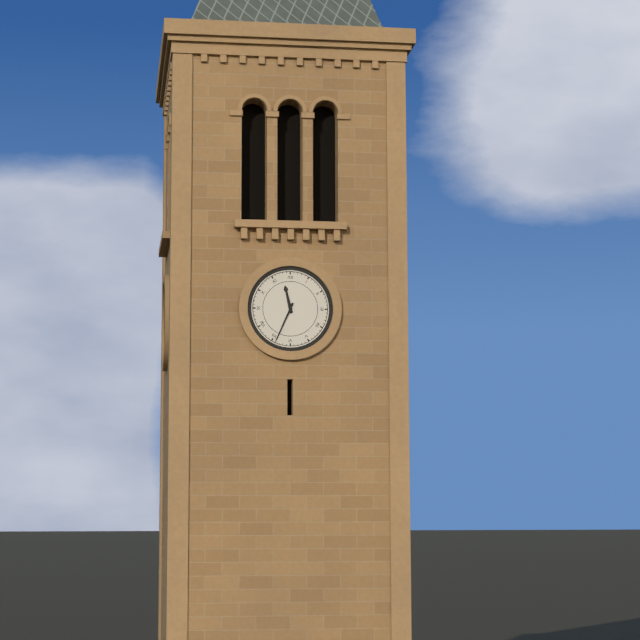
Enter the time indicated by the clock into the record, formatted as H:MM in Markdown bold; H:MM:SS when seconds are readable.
**11:34**
